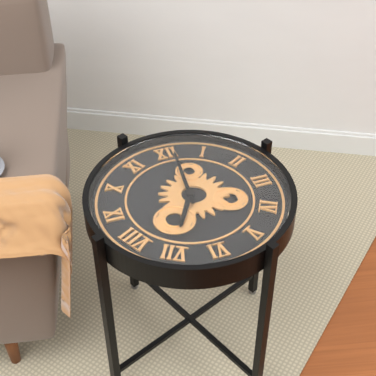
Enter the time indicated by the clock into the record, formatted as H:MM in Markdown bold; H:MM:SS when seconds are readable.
**7:01**
